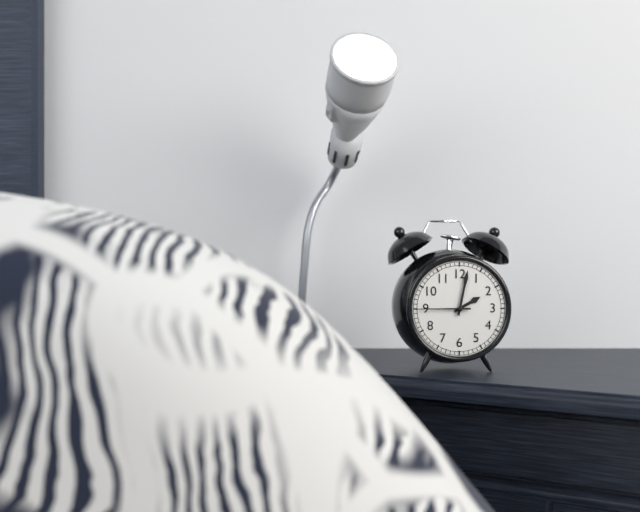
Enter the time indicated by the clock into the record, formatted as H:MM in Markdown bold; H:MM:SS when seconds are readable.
**2:02:45**
